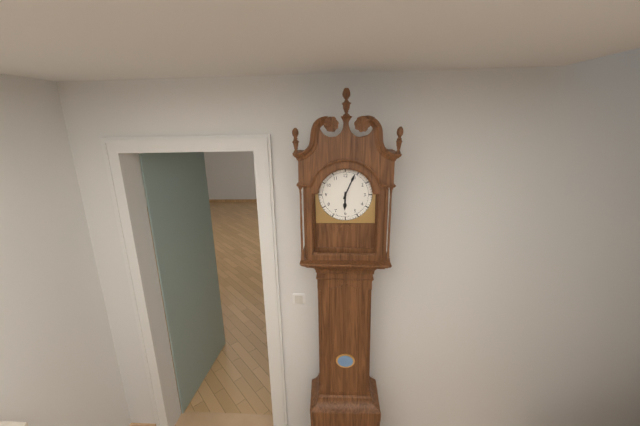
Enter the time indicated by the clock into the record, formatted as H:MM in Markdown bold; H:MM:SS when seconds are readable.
**6:04**
